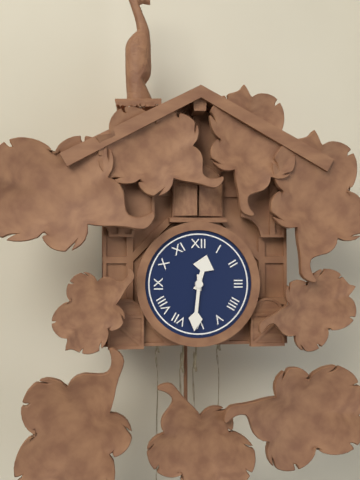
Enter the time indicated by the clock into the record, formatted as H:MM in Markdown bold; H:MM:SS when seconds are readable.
**12:31**
